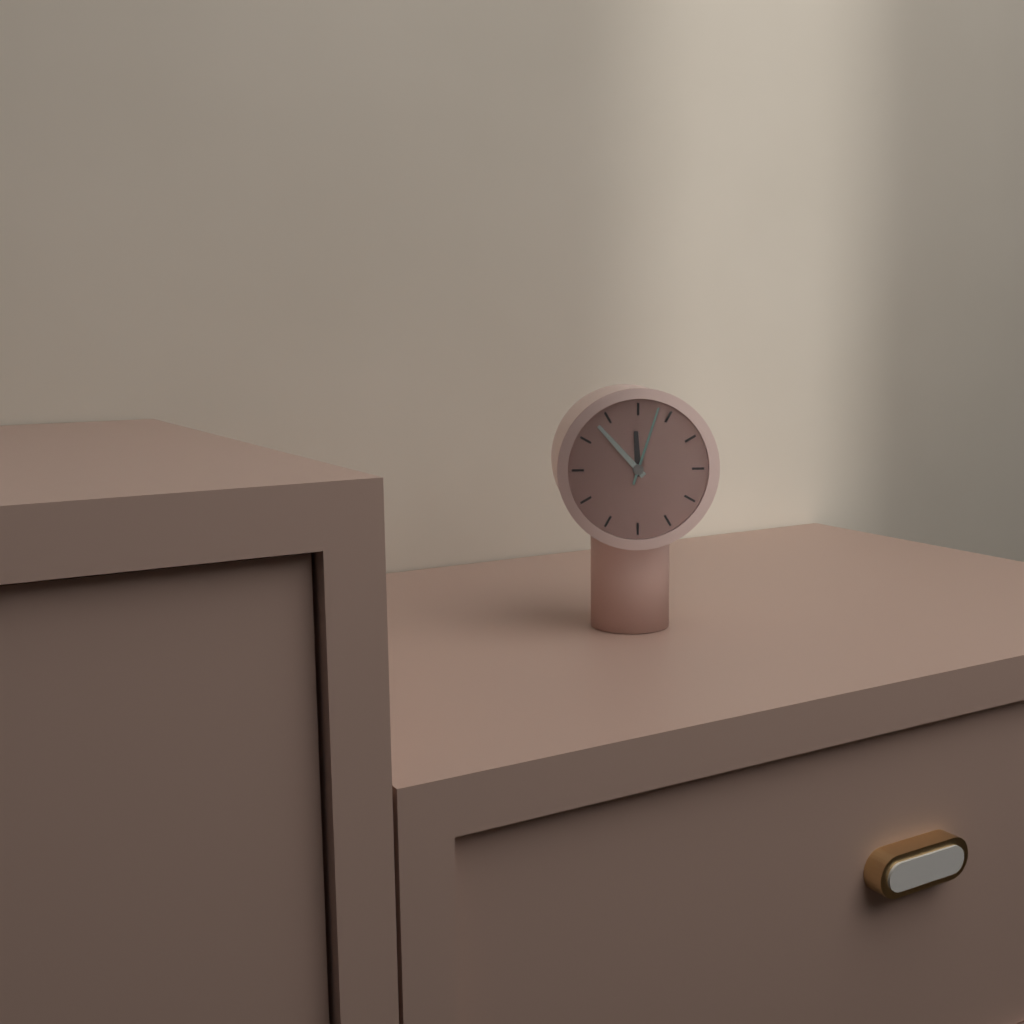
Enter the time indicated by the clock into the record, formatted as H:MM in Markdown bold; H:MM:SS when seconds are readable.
**11:53:03**
